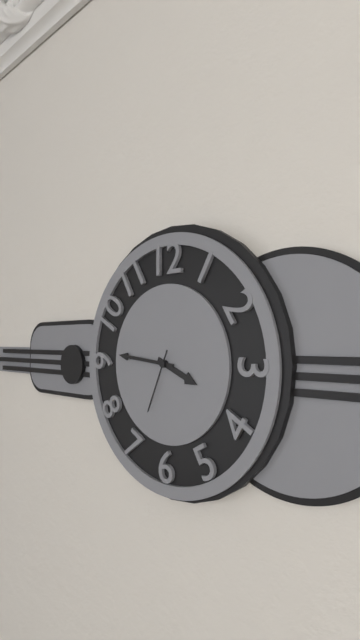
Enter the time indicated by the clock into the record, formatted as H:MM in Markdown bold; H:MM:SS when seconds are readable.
**3:46:34**
